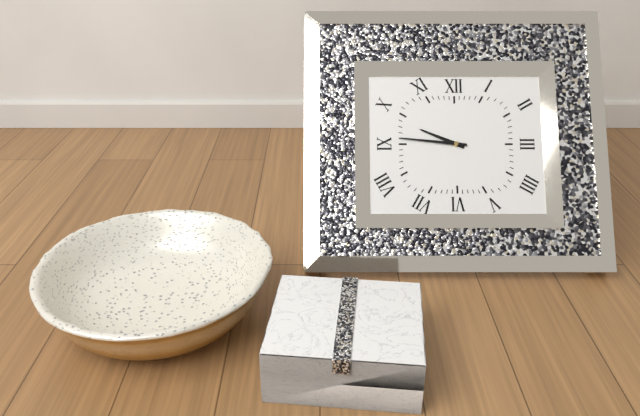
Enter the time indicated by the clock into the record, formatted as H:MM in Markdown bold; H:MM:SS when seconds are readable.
**9:46**
